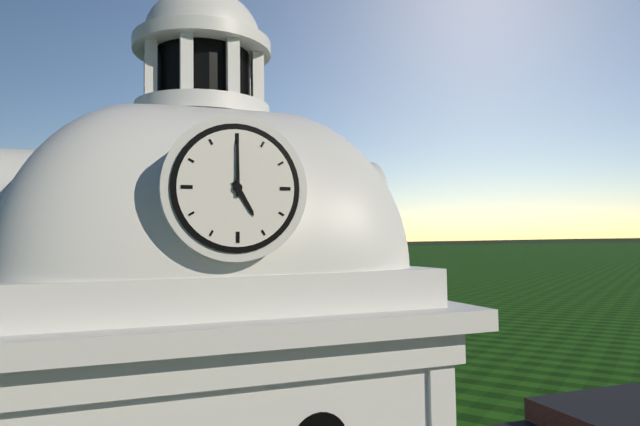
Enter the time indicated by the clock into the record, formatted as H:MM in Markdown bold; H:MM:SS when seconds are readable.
**5:00**
